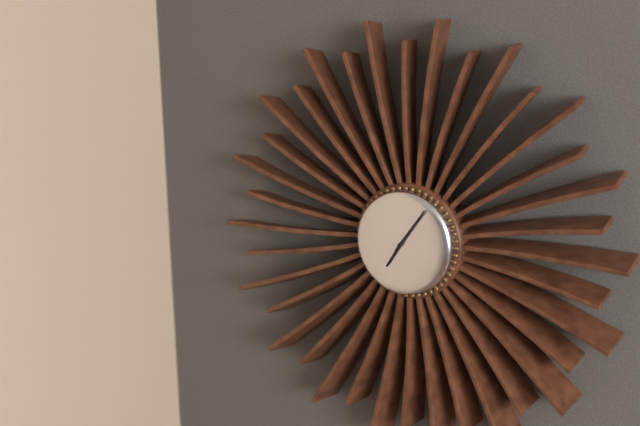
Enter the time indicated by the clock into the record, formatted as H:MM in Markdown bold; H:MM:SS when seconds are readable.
**7:06**
